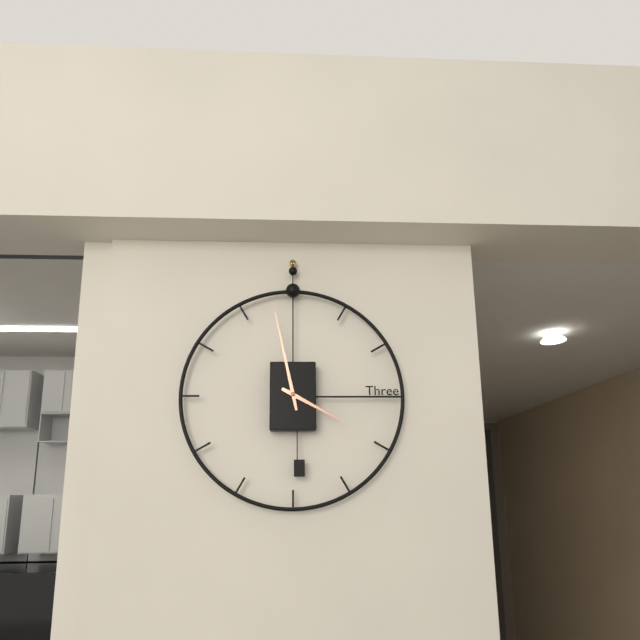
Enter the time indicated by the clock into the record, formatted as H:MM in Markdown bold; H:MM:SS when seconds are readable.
**3:58**
